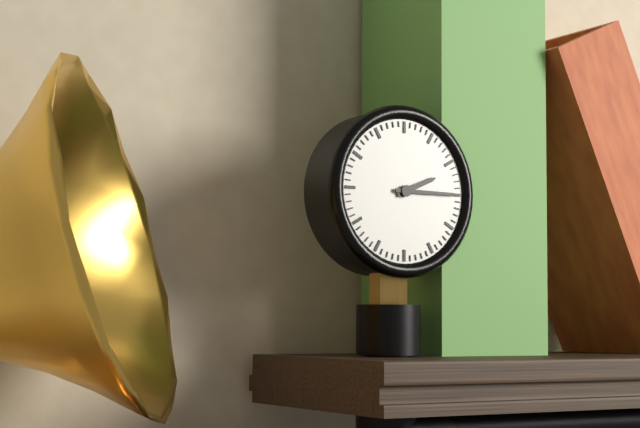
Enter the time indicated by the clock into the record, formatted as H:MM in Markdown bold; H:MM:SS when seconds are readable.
**2:15**
